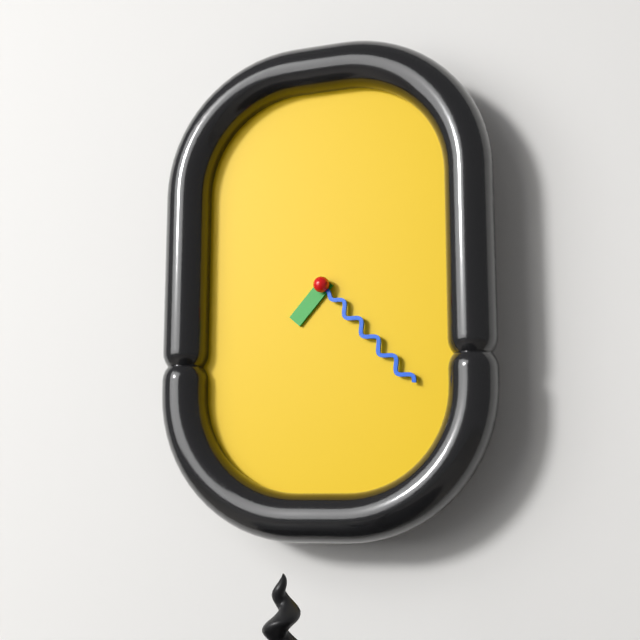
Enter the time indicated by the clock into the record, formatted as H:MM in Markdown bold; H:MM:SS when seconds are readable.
**7:23**
